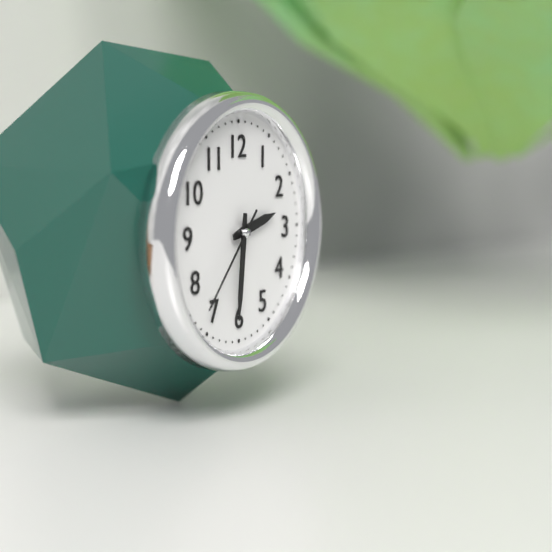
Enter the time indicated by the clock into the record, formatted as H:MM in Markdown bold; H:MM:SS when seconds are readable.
**2:31:37**
